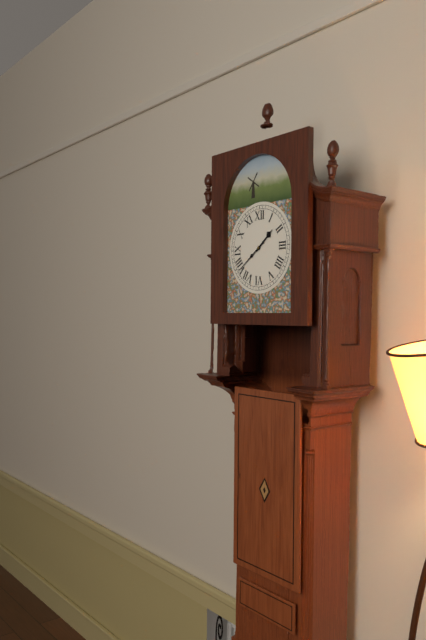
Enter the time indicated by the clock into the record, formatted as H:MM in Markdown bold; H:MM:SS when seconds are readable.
**1:39**
